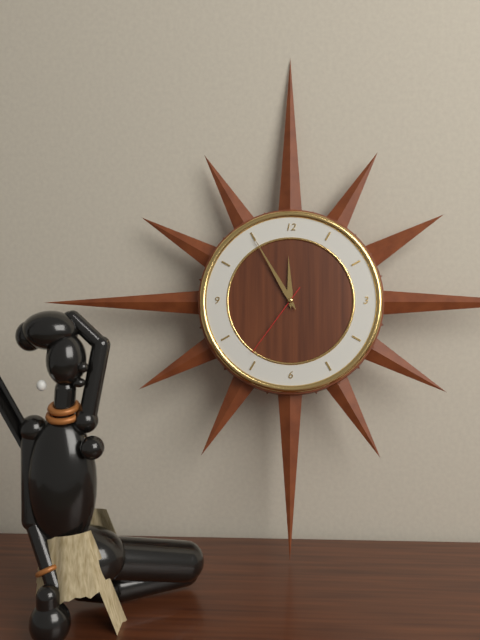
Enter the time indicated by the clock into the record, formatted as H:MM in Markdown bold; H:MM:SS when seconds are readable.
**11:55:36**
